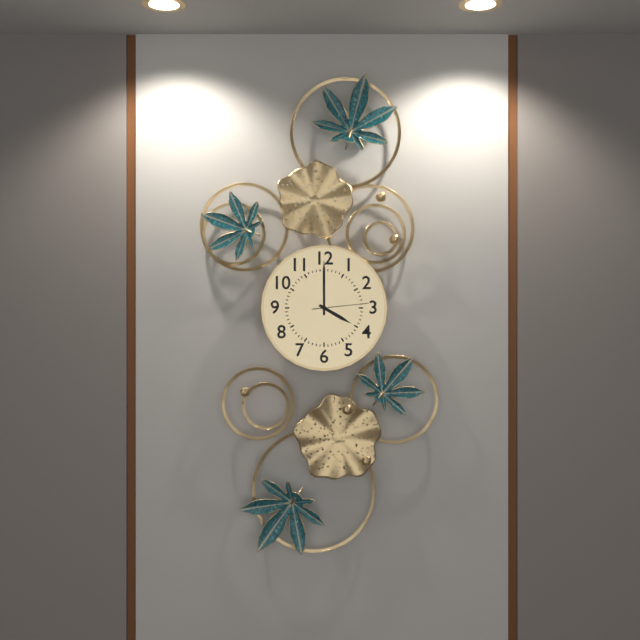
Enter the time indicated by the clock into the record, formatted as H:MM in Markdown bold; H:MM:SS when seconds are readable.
**4:00:14**
